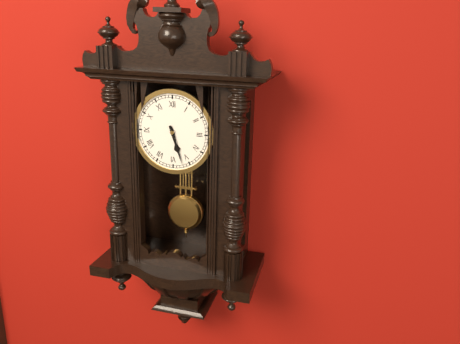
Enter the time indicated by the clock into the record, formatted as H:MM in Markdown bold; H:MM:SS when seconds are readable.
**5:27**
